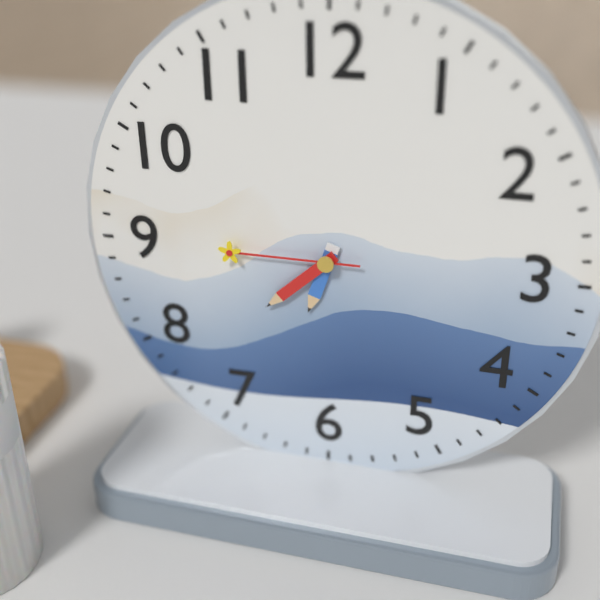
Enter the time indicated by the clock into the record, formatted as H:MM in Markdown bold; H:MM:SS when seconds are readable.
**6:38:45**
